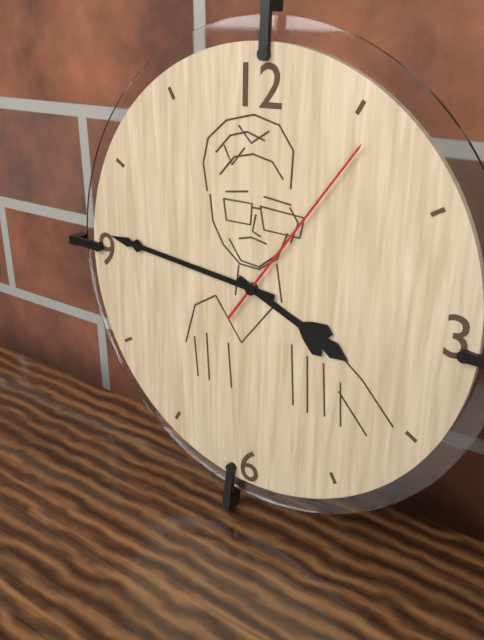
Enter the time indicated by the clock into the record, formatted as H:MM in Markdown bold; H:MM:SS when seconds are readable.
**3:46:06**
